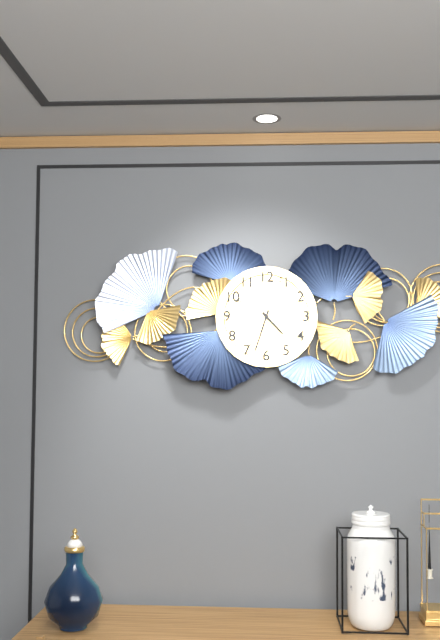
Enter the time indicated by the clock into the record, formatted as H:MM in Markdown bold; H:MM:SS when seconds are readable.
**4:33**
